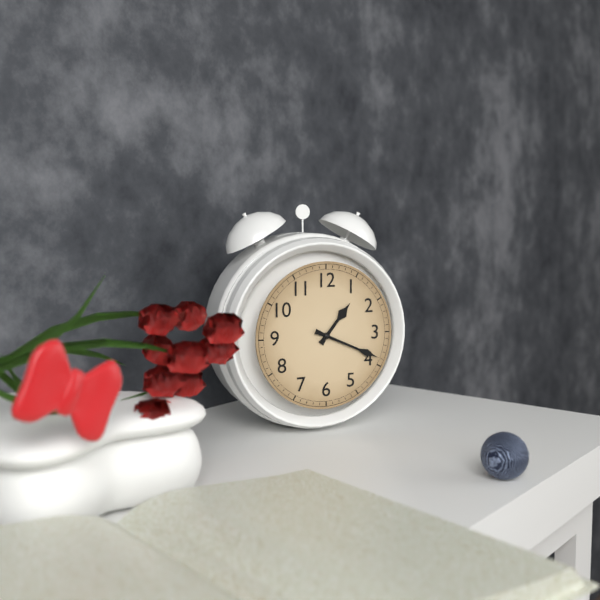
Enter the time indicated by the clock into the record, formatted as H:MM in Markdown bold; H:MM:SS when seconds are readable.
**1:19**
